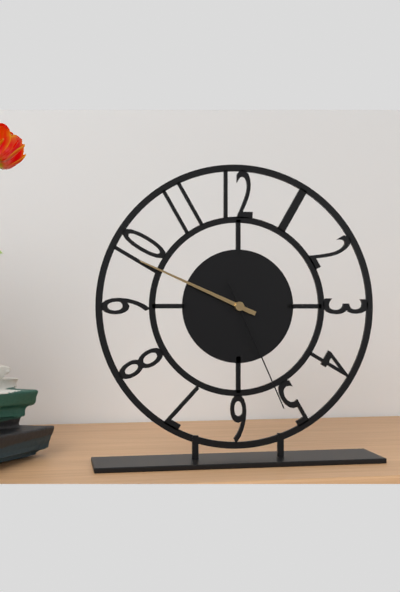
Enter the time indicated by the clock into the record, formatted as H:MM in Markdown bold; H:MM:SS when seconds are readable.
**9:49:26**
